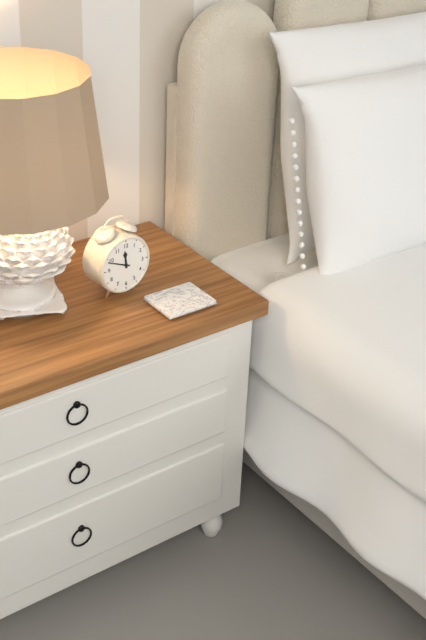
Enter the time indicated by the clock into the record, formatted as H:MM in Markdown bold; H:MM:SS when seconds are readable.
**11:49**
